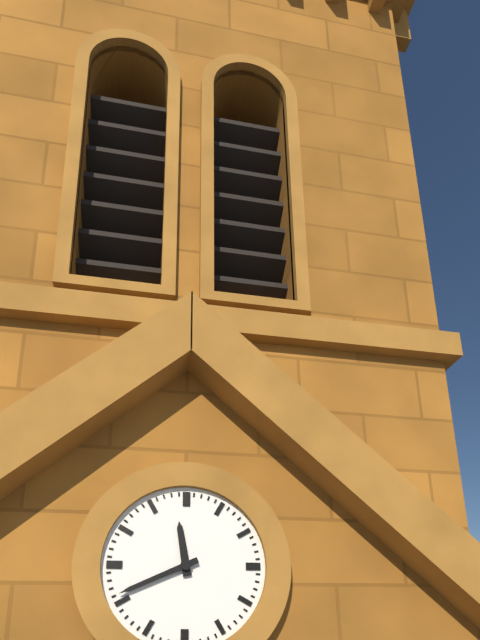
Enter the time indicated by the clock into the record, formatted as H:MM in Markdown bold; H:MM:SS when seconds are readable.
**11:41**
